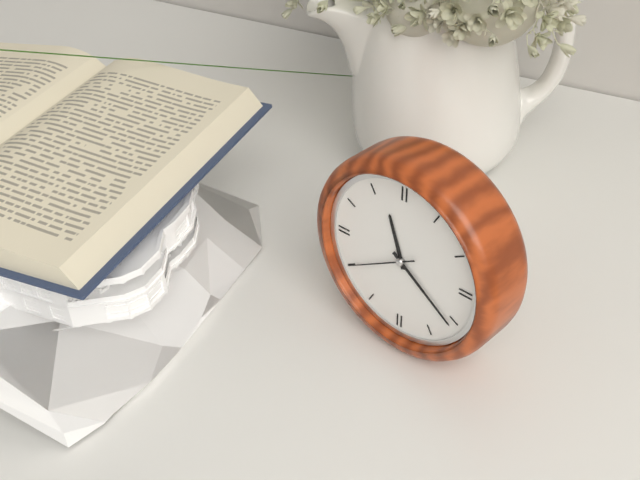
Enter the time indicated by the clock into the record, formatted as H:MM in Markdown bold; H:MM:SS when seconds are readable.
**11:21:40**
